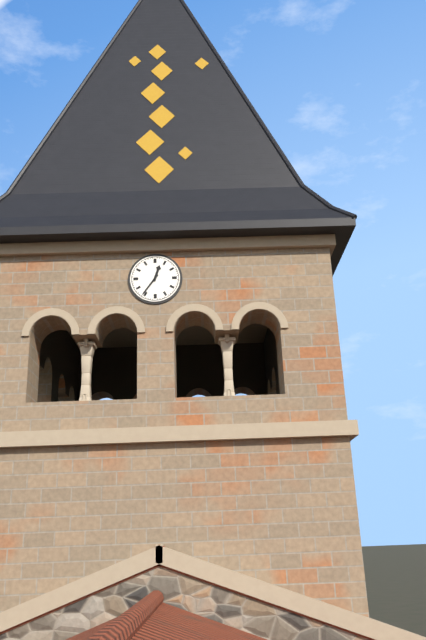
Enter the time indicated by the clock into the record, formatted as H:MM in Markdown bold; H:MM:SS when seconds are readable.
**12:36**
